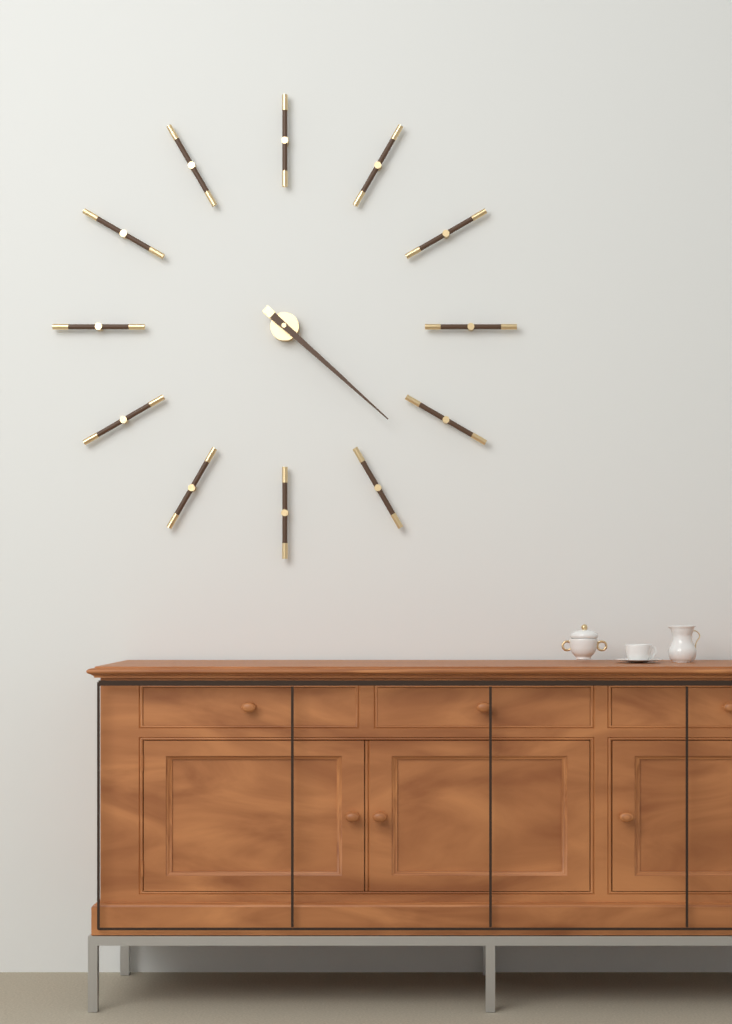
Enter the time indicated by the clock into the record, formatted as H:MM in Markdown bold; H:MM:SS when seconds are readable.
**4:22**
